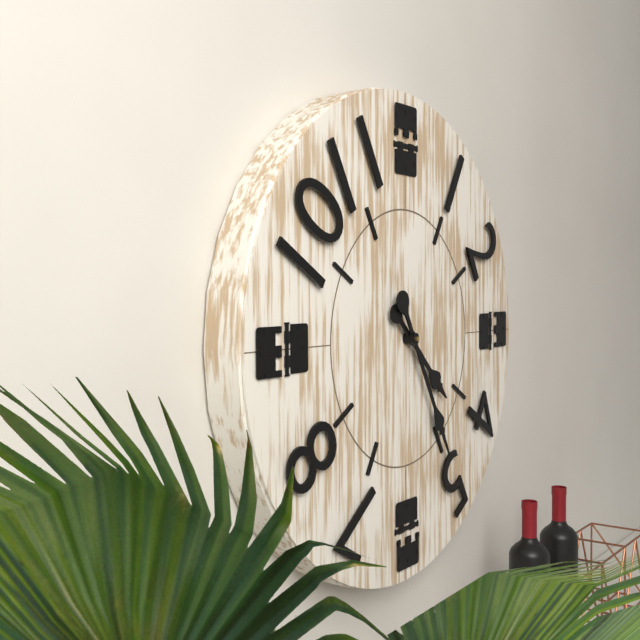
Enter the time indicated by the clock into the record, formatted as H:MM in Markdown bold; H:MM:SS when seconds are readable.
**4:25**
